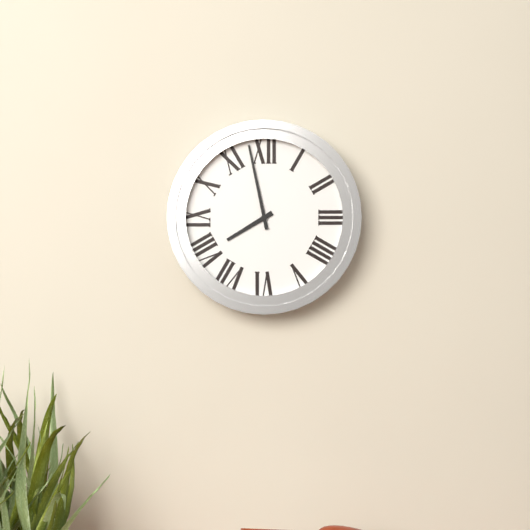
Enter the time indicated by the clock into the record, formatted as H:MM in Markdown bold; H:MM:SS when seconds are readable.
**7:58**
